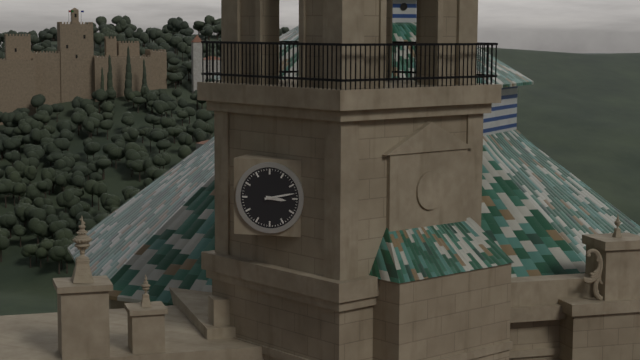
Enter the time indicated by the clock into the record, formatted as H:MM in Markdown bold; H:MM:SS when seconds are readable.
**3:13**
